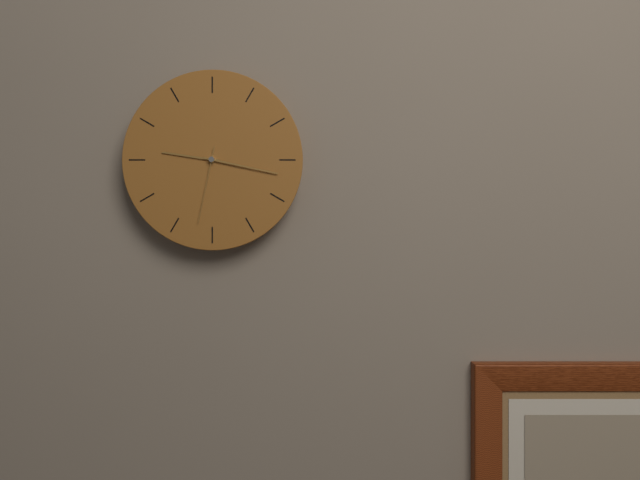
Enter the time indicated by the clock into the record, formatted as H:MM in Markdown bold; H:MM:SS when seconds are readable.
**9:17:32**
